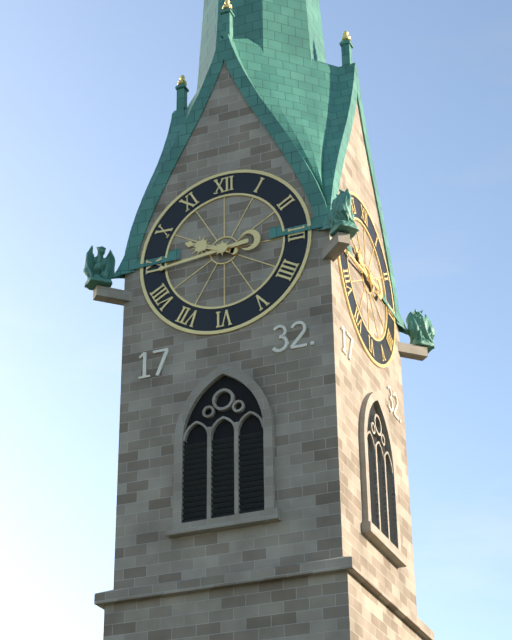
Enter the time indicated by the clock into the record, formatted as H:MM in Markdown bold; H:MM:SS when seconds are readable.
**9:44**
